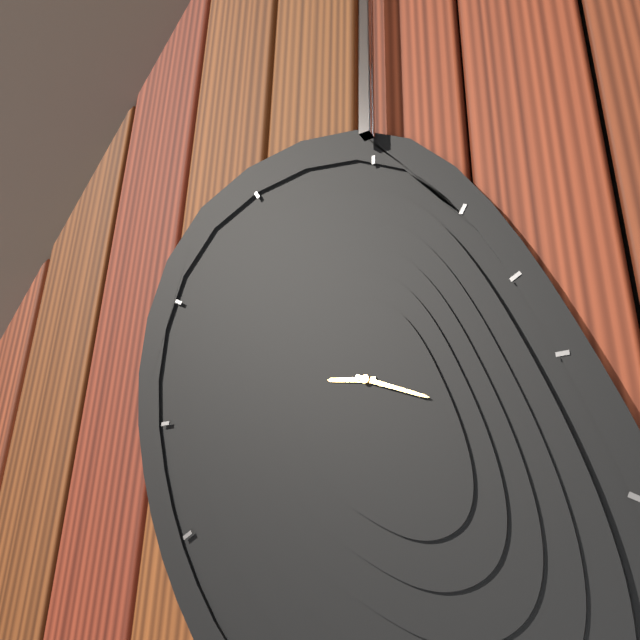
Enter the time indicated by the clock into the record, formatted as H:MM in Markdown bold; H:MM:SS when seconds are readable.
**9:19**
